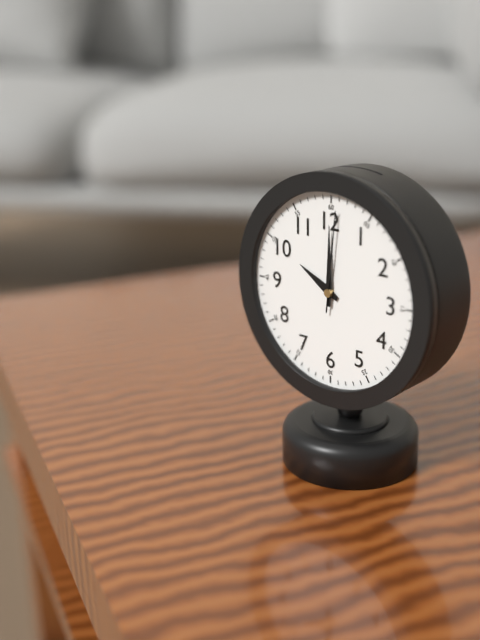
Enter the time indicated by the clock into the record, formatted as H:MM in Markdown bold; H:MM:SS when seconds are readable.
**10:00:01**
